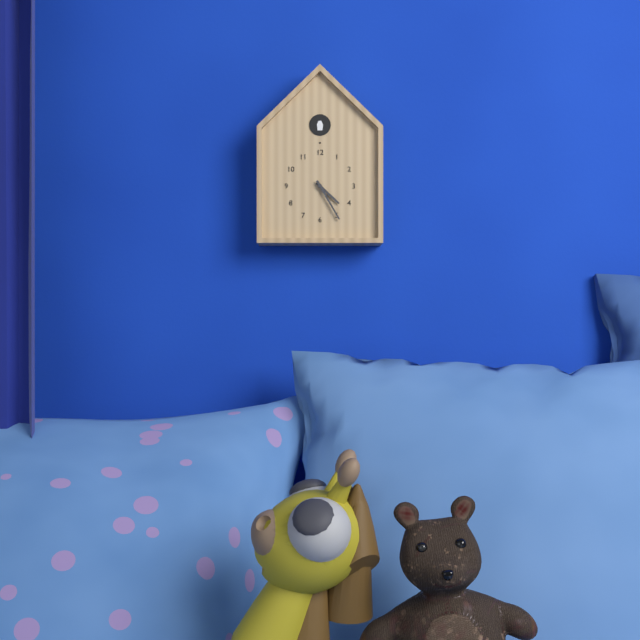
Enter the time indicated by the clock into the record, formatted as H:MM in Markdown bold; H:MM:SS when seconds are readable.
**4:25**
